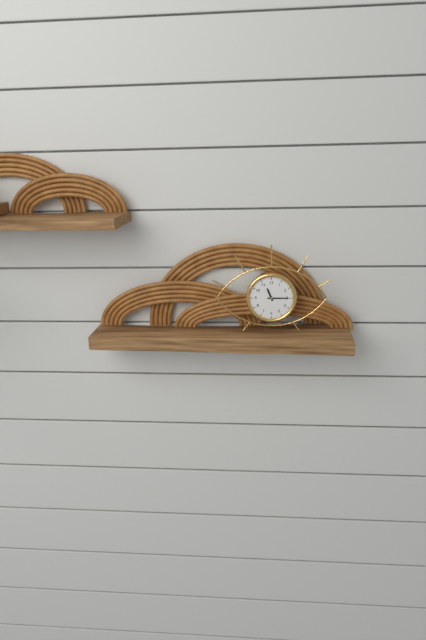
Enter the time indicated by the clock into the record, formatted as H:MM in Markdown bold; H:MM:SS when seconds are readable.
**11:15**
